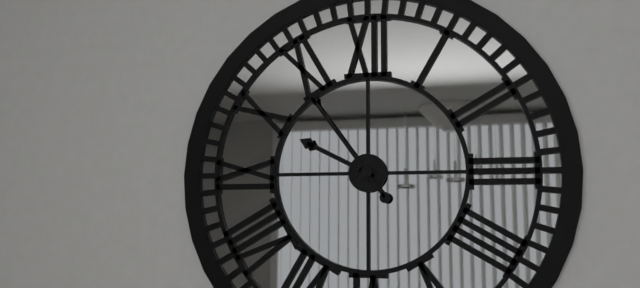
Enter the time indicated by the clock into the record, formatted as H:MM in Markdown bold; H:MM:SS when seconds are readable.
**9:54**
